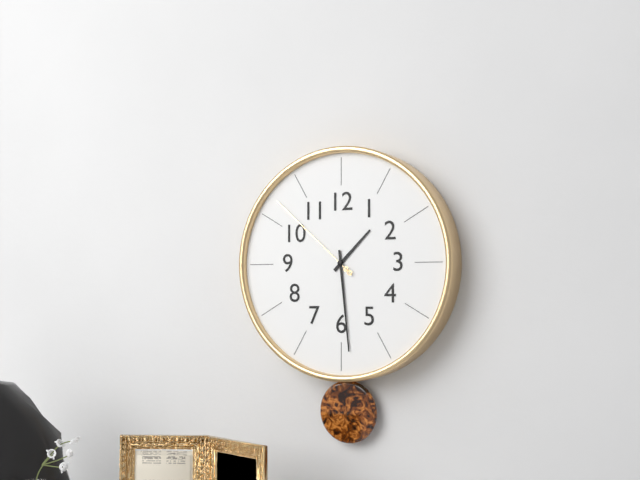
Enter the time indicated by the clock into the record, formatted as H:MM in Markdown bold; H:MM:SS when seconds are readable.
**1:29:52**
